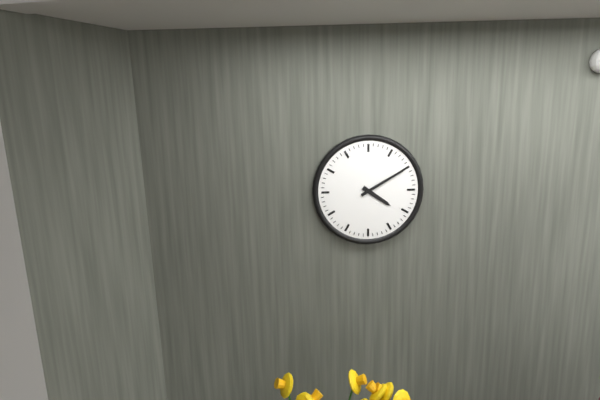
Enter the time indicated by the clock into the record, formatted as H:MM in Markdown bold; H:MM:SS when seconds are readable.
**4:10**
